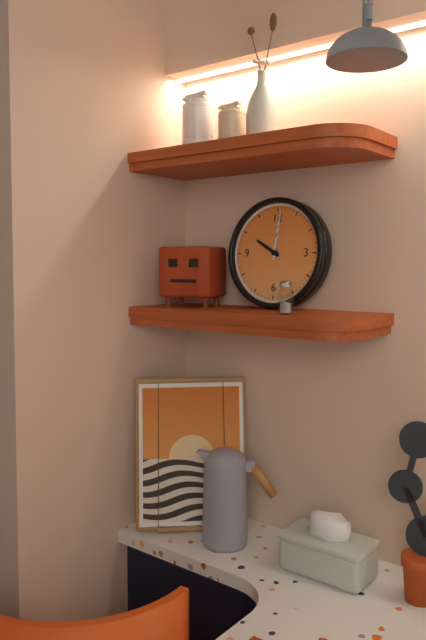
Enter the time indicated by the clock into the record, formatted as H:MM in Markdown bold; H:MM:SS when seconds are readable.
**10:01**
